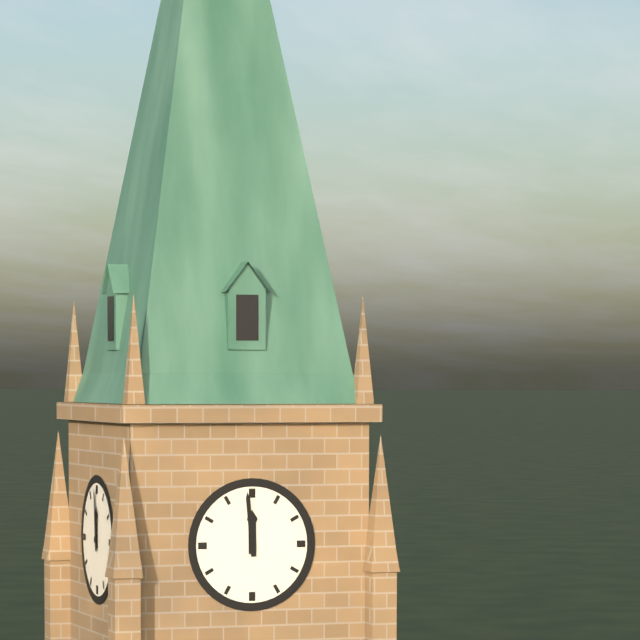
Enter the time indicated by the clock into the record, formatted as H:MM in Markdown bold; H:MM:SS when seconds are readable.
**11:59**
